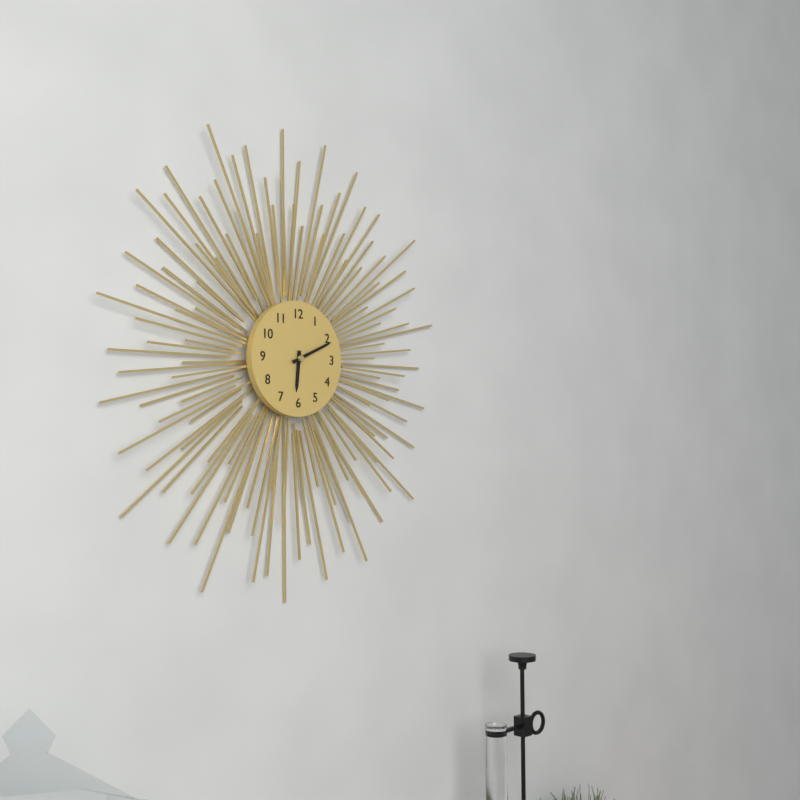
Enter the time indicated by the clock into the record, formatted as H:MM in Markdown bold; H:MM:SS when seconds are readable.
**6:11**
